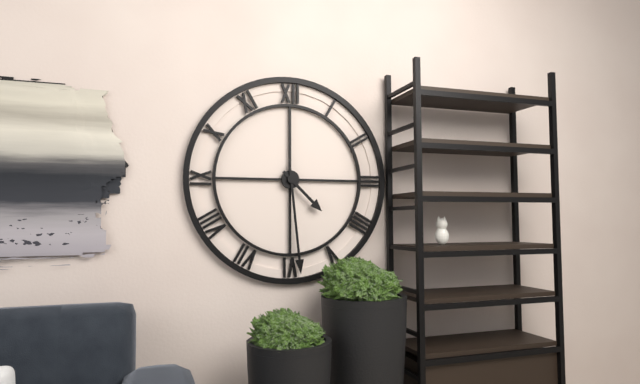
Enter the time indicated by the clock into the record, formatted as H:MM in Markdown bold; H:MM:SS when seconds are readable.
**4:29**
